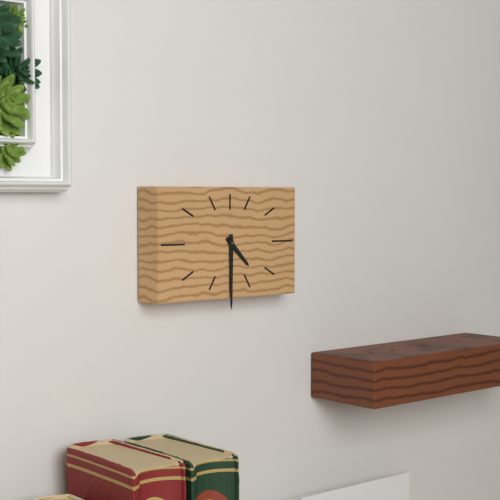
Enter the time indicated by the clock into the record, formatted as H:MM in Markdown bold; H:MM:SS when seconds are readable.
**4:30**
